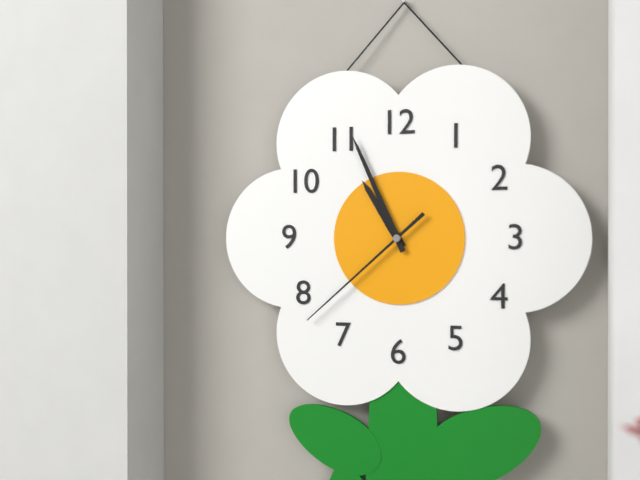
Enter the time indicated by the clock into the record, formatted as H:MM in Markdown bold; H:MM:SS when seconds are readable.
**10:56:38**
